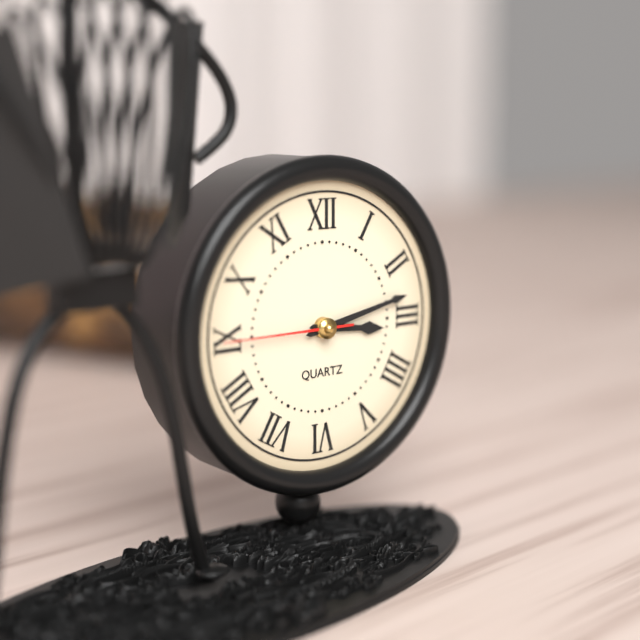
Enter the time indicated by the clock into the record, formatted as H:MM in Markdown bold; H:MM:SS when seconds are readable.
**3:13:45**
